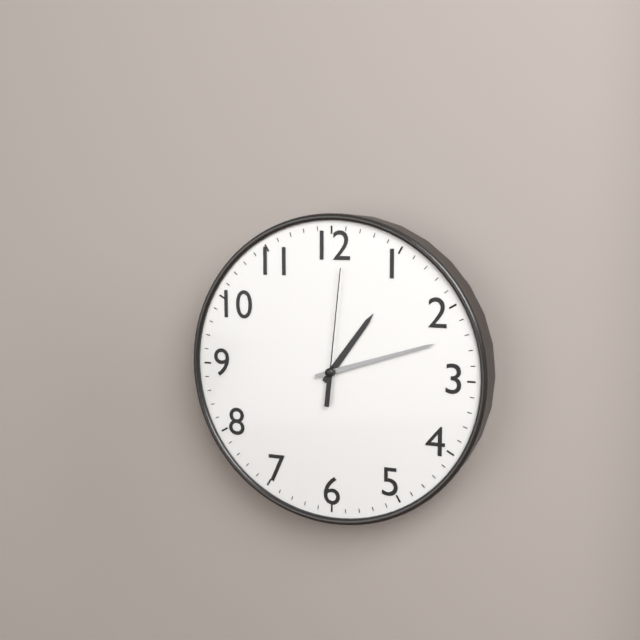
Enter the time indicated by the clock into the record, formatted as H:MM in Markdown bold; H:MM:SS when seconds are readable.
**1:12:01**
